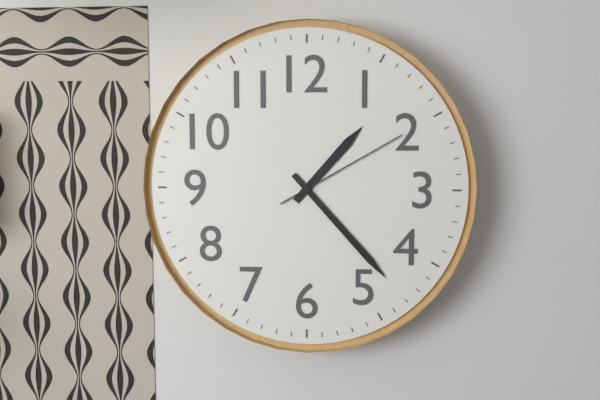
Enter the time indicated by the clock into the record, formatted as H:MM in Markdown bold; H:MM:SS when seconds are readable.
**1:23:10**
